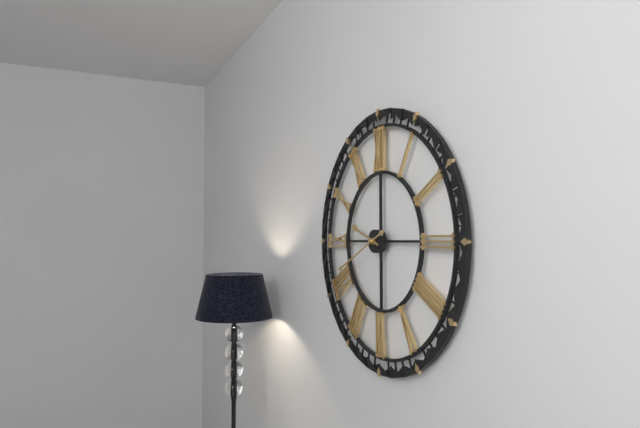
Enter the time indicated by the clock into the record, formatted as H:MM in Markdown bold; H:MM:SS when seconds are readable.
**9:41**
